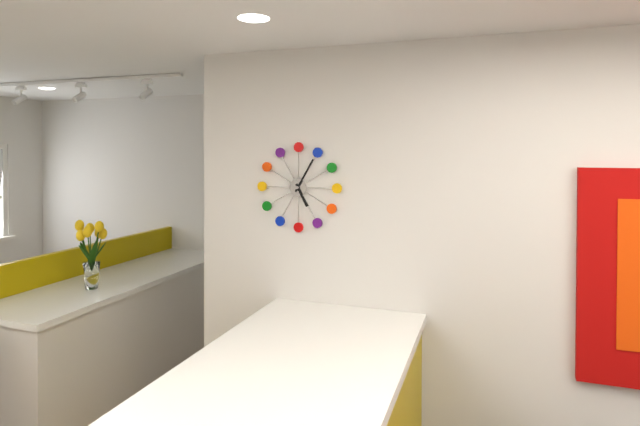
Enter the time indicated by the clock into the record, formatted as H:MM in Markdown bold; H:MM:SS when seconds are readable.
**5:05**
